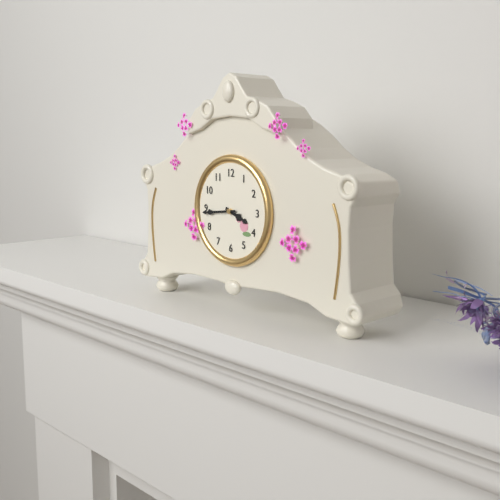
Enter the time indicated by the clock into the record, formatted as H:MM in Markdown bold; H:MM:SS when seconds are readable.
**3:44**
